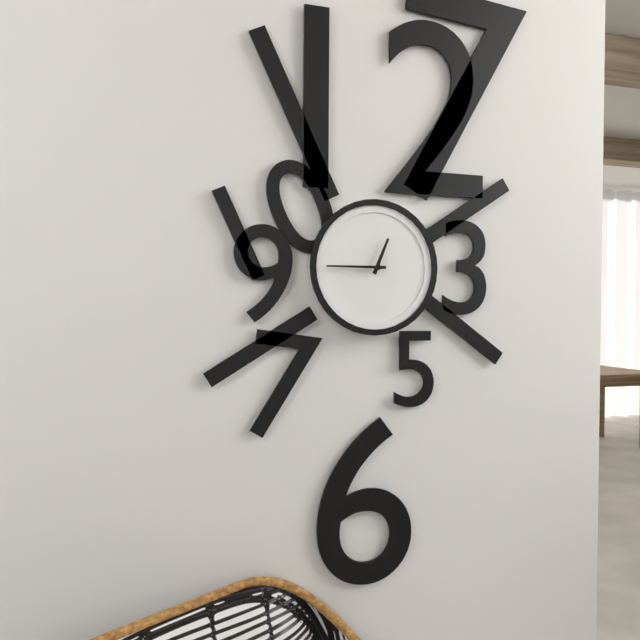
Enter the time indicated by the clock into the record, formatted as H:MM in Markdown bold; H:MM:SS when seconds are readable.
**12:45**
